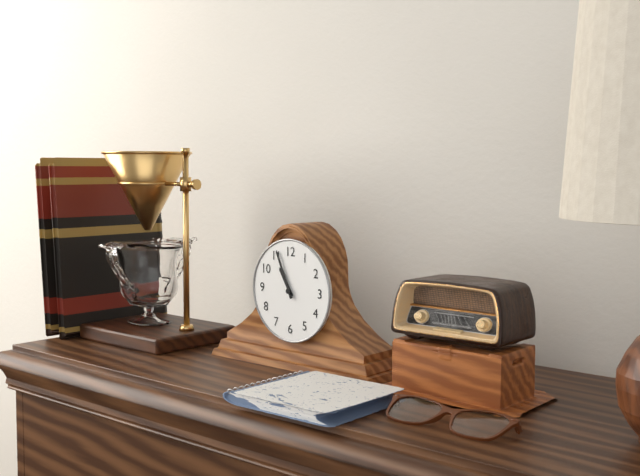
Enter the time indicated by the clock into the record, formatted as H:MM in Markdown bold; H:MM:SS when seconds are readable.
**10:56**
